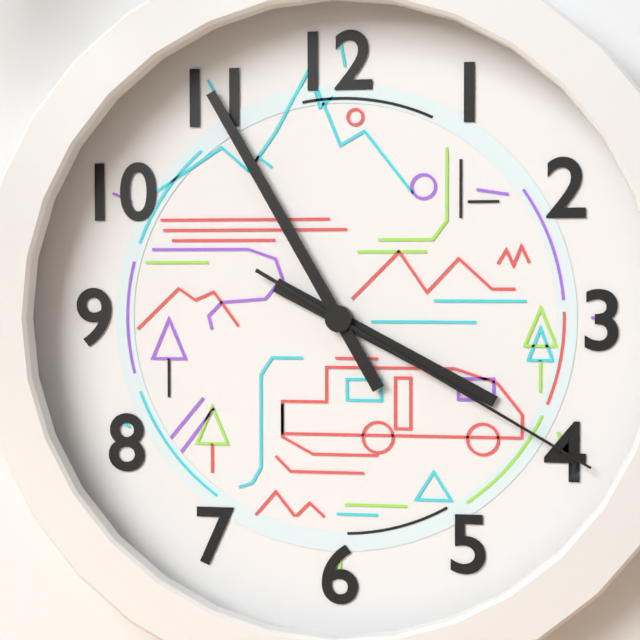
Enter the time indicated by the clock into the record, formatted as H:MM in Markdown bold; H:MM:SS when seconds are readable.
**3:55:20**
